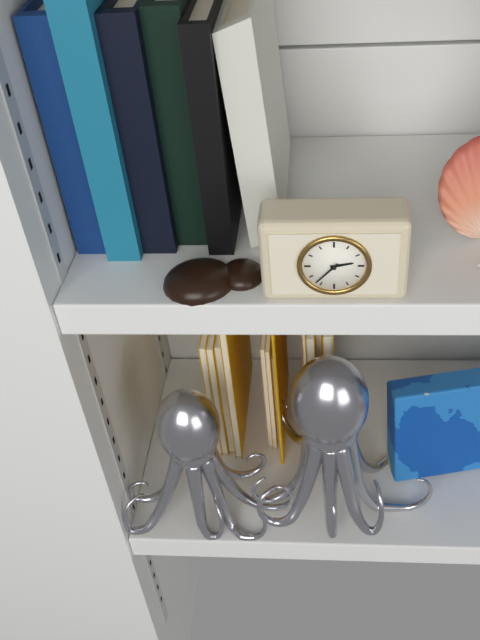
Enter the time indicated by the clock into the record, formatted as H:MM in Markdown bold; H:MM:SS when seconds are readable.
**2:37**
